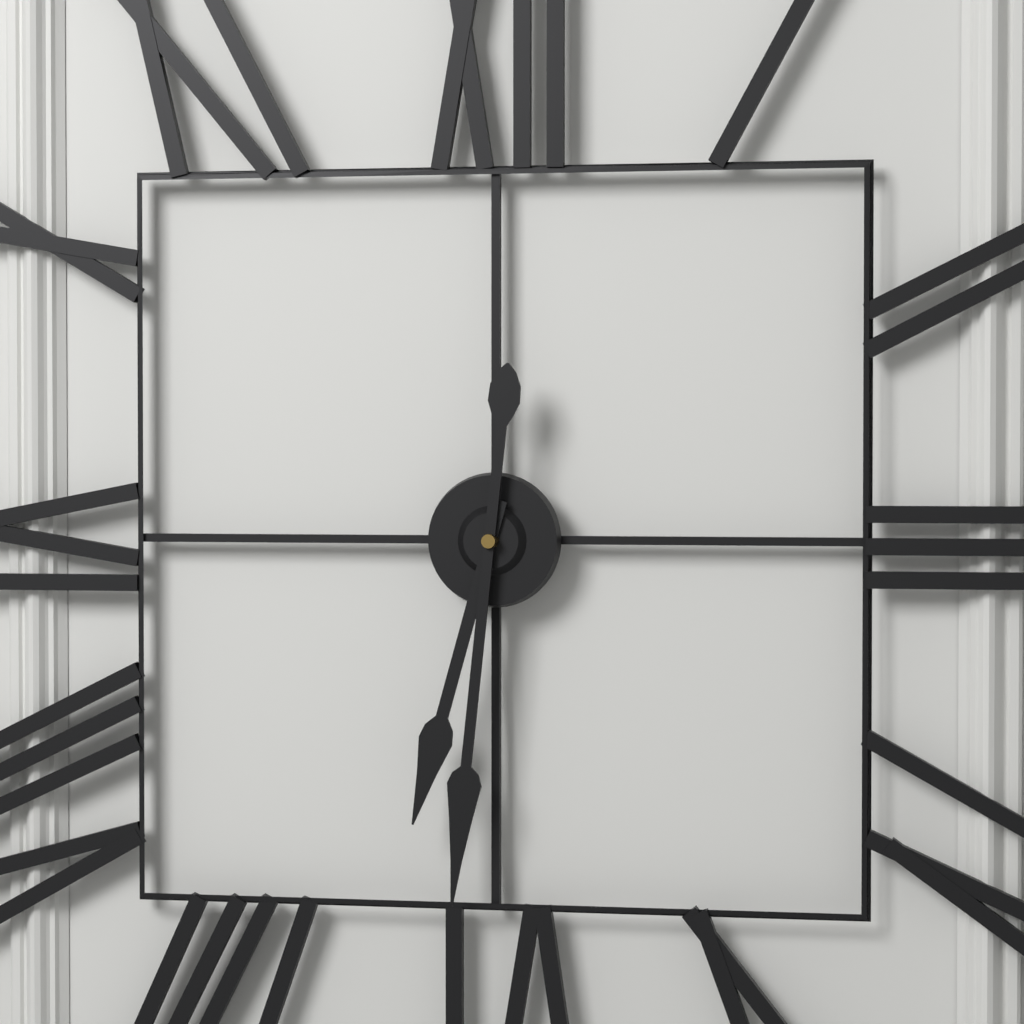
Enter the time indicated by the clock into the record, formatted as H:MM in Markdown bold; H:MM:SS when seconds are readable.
**6:31**
